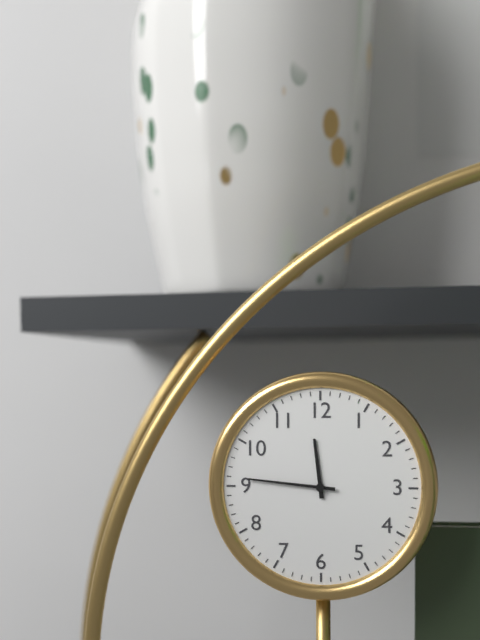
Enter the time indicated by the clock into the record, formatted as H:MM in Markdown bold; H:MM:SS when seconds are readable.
**11:46**
